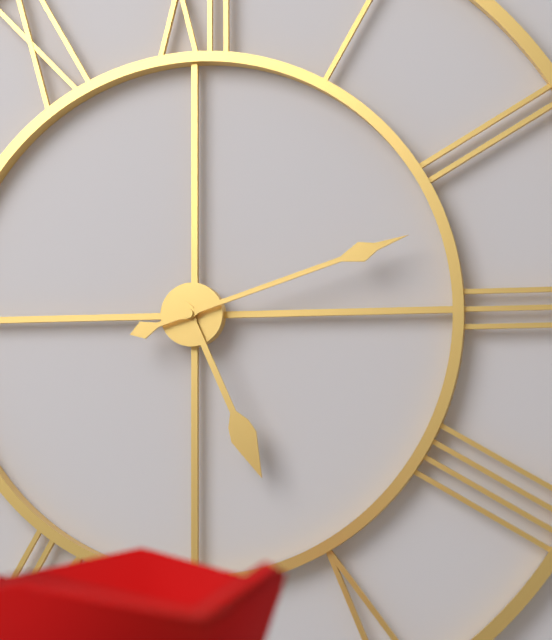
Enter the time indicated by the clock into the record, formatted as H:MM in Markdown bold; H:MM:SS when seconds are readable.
**5:12**
